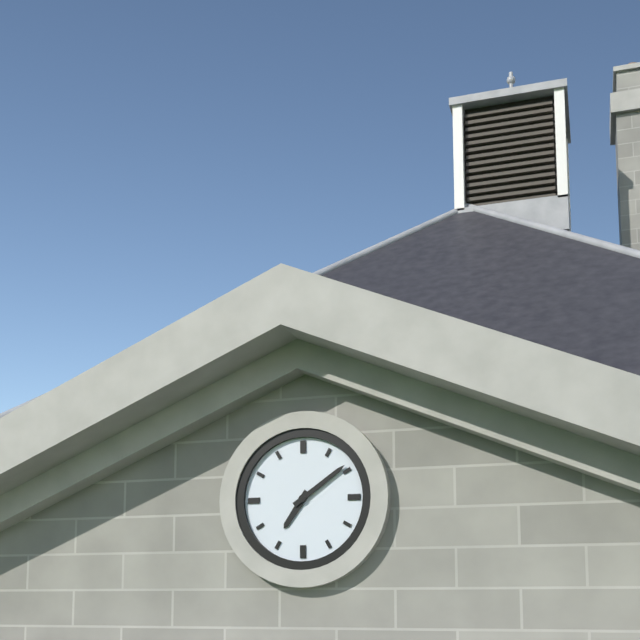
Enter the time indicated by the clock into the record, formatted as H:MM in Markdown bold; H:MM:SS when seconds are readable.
**7:09**
